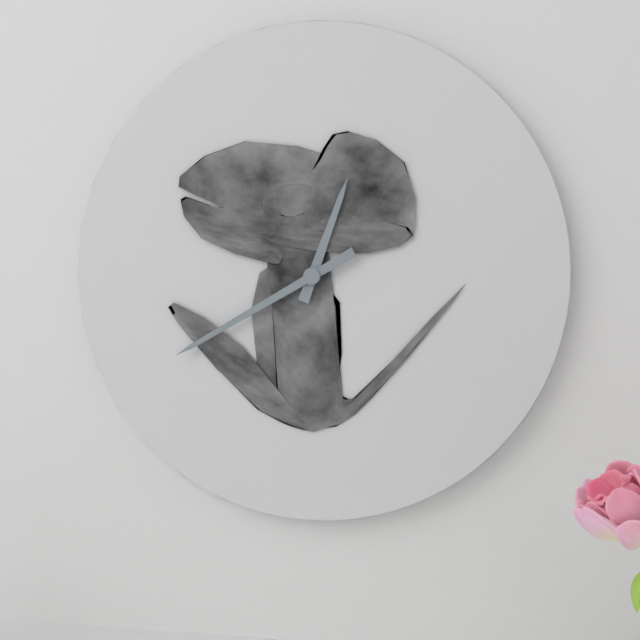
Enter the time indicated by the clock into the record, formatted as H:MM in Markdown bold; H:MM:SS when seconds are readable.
**12:40**
